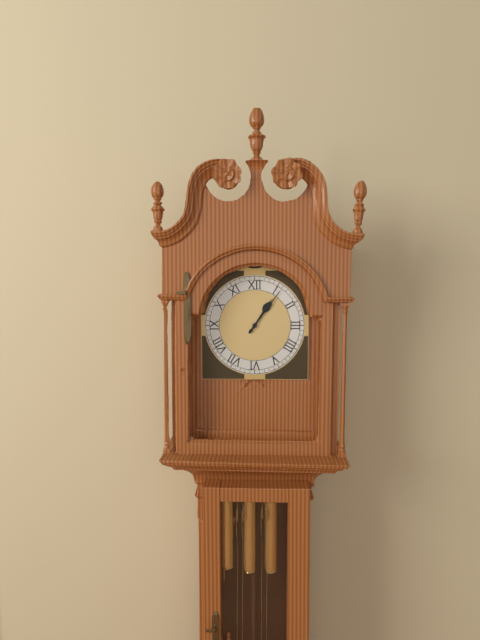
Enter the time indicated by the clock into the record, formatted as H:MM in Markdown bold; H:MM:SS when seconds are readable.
**1:06**
